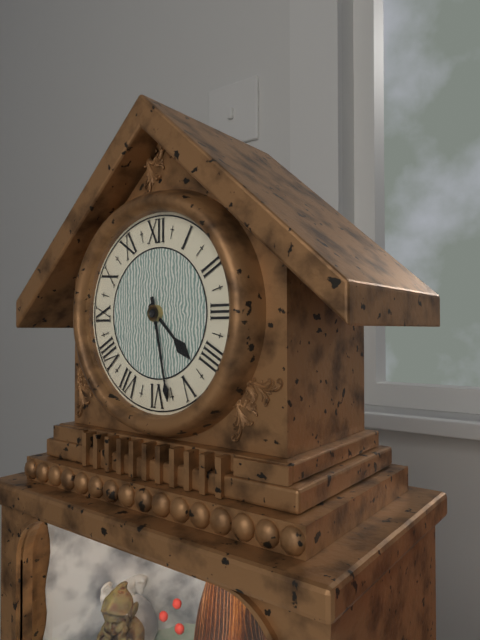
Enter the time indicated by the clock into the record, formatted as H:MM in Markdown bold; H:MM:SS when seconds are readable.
**4:28**
